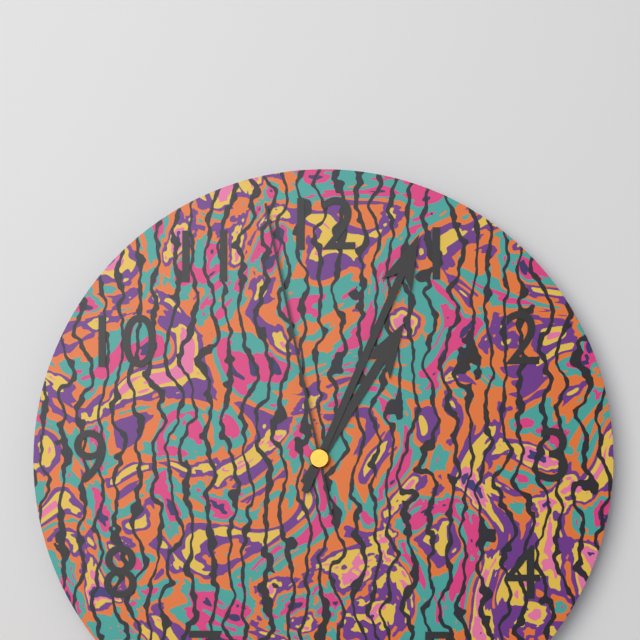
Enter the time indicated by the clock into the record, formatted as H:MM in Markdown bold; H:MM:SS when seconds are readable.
**1:04:58**
